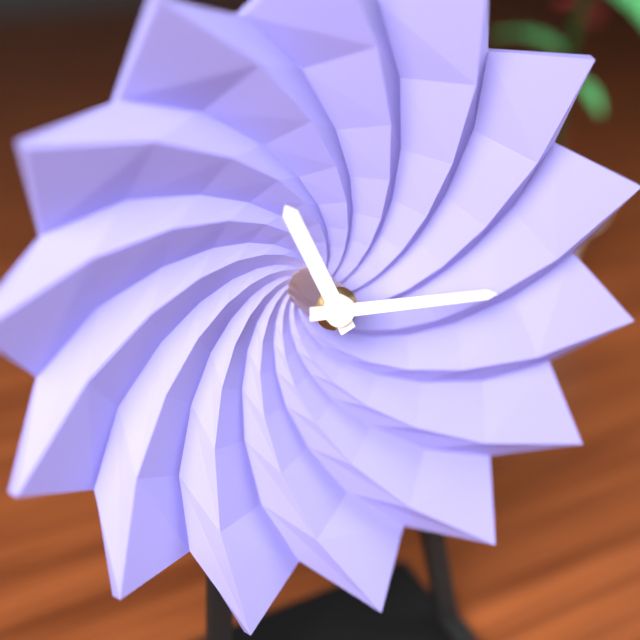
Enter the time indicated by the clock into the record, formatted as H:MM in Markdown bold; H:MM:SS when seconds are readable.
**11:16**
